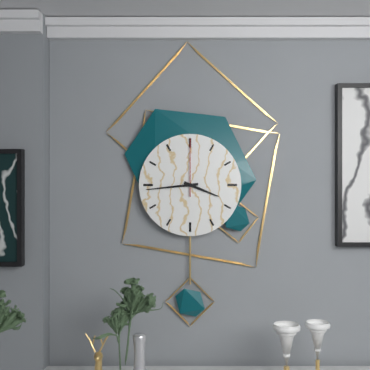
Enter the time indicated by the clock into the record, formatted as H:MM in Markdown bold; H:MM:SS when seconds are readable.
**3:44:00**
